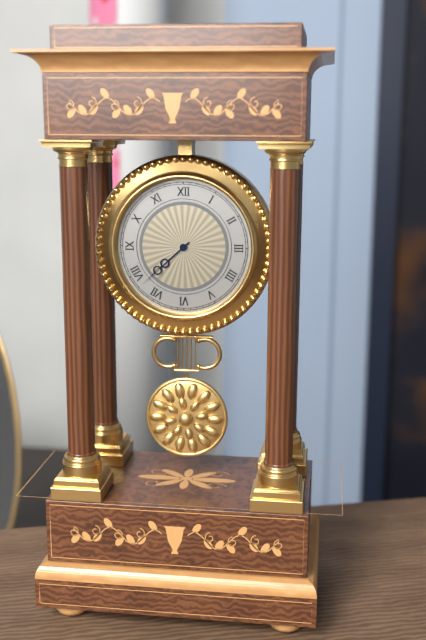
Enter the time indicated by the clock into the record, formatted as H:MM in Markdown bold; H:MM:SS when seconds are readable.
**7:38**
